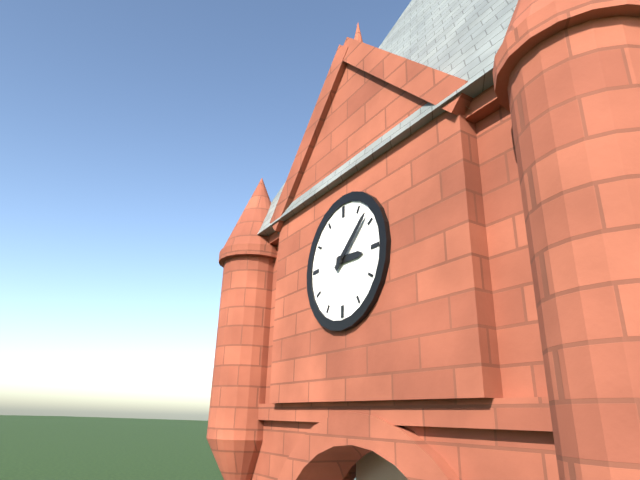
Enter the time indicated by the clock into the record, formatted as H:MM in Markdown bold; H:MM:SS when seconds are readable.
**3:08**
